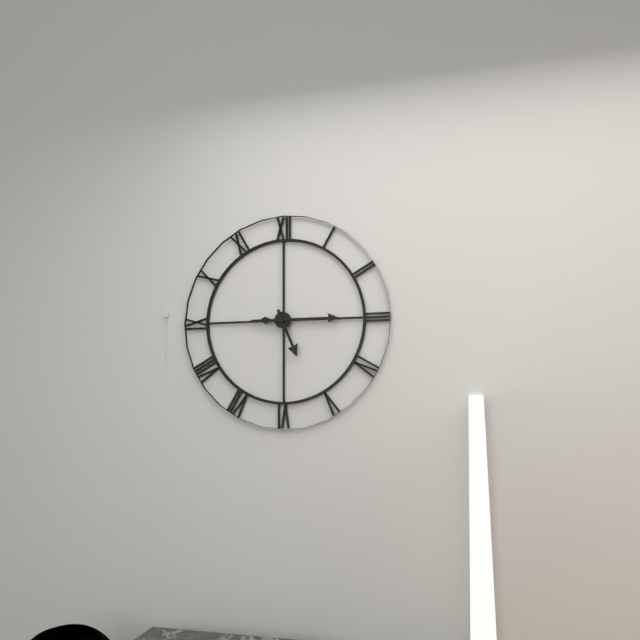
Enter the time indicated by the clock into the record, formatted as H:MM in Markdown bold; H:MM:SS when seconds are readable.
**5:15**
